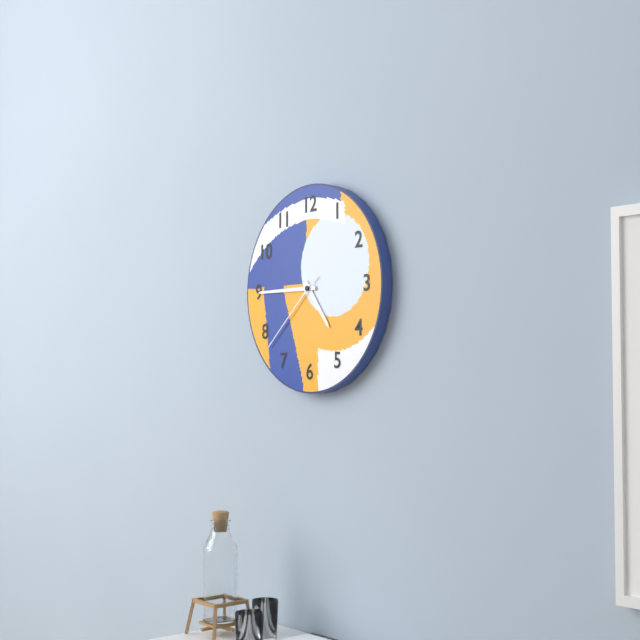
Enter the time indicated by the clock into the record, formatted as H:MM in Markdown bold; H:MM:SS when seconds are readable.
**4:45:38**
